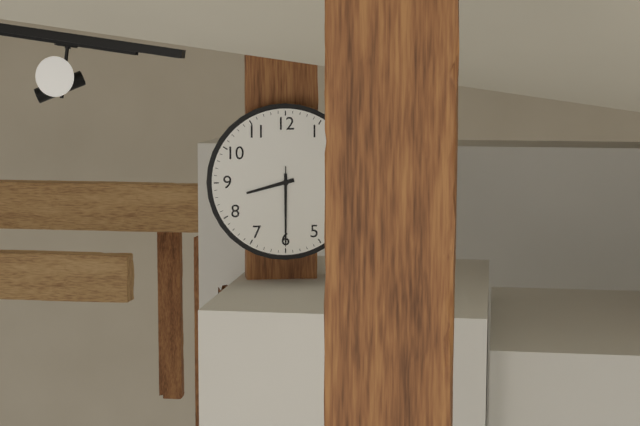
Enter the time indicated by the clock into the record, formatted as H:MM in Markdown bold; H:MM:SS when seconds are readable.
**8:30:30**
